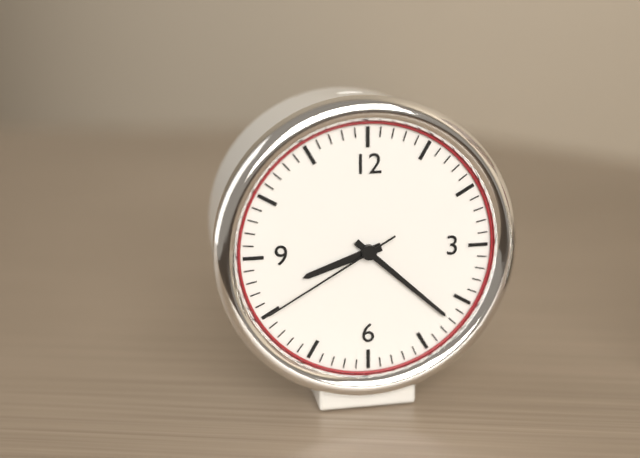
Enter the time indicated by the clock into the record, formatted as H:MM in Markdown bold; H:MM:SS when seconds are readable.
**8:22:40**
